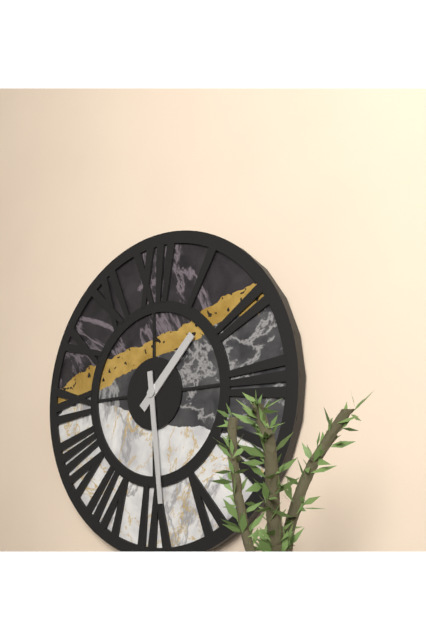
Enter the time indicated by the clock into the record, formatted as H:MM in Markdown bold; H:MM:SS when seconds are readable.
**1:29**
